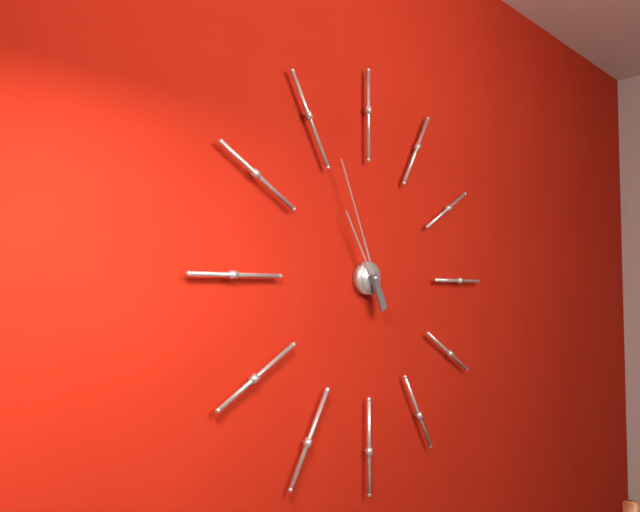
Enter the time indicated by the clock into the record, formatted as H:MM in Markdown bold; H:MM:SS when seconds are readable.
**10:56**
